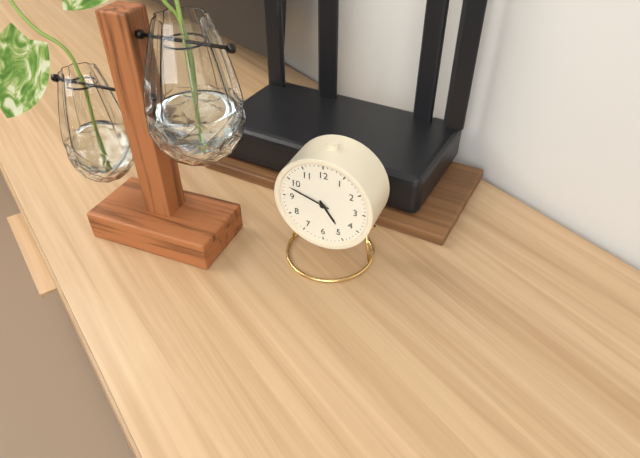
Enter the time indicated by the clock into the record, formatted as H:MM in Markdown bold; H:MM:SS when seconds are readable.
**4:48**
